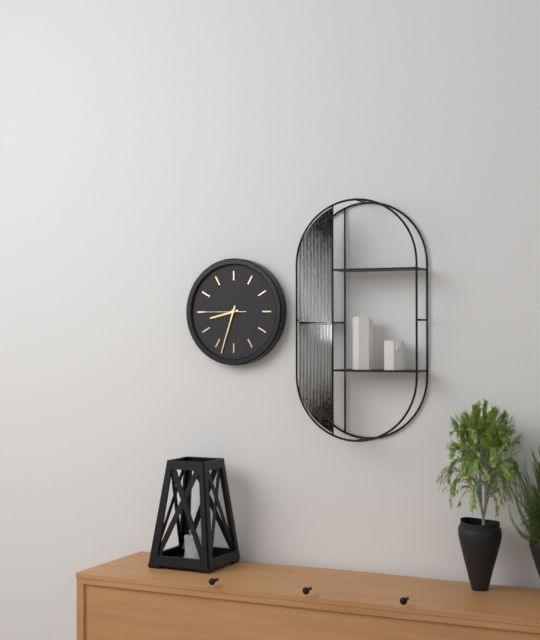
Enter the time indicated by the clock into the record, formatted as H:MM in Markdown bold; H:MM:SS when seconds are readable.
**8:33**
